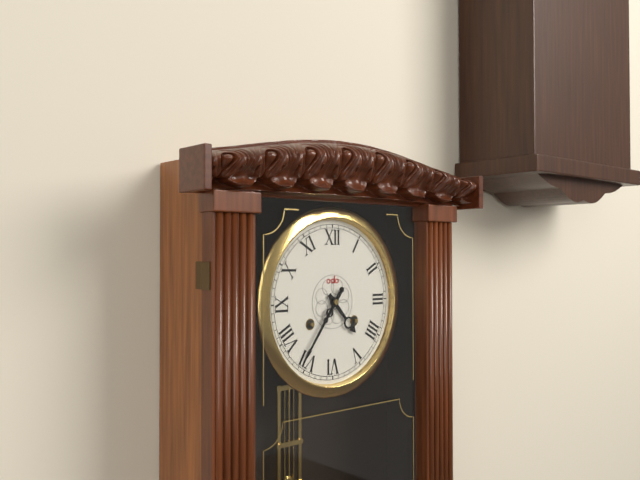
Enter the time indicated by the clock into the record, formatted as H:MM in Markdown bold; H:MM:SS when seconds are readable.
**4:36**
